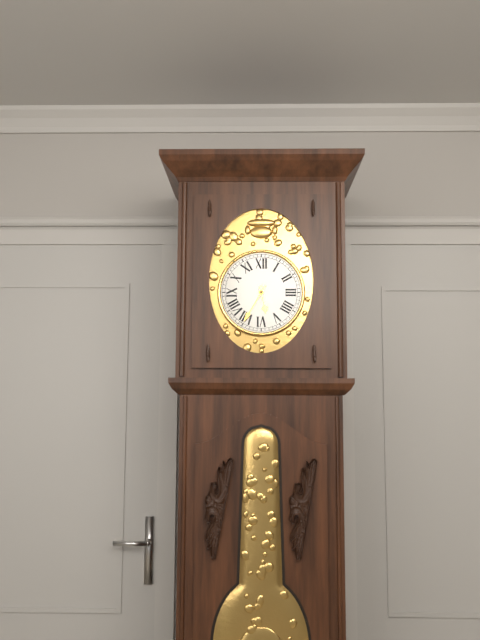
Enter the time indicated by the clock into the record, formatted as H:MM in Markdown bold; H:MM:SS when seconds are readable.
**5:35**
